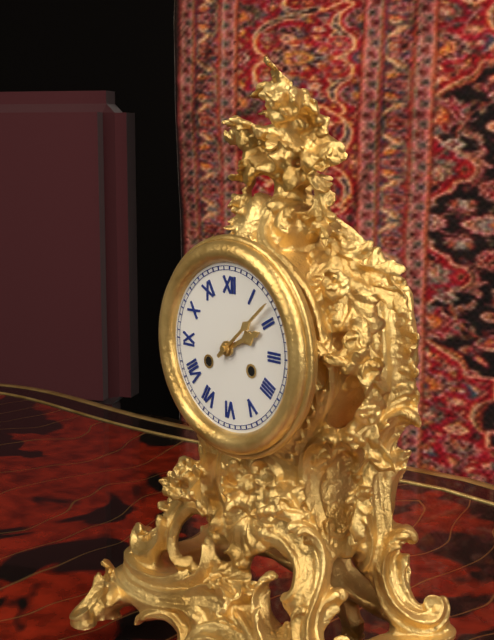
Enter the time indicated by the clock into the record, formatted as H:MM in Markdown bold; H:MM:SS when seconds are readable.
**2:08**
